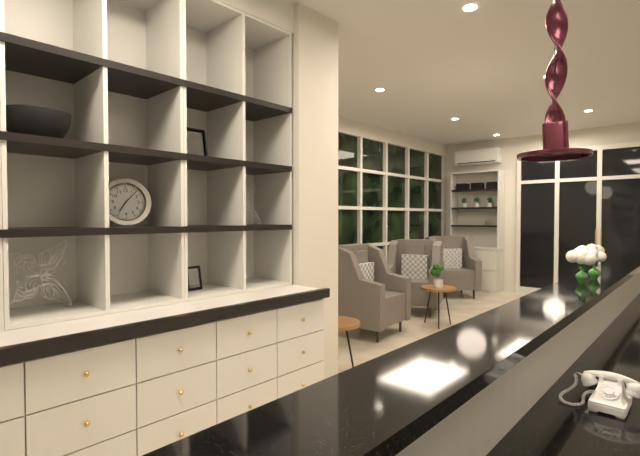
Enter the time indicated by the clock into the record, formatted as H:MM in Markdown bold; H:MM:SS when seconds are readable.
**7:07**
